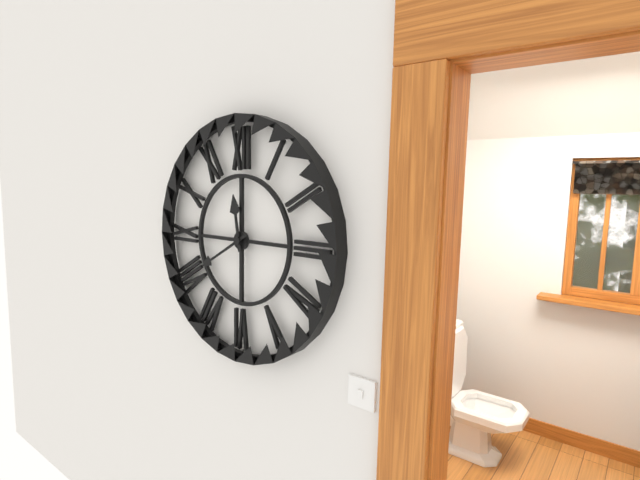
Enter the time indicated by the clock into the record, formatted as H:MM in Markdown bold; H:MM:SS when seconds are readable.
**11:40**
